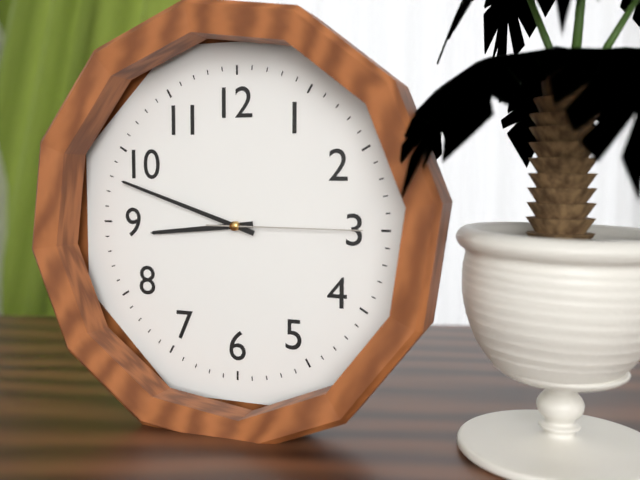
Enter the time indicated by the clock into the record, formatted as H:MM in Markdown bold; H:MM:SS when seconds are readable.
**8:48:15**
